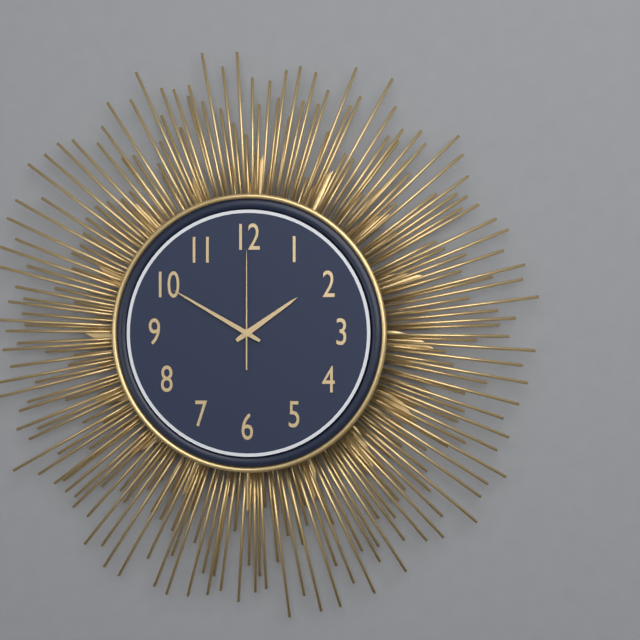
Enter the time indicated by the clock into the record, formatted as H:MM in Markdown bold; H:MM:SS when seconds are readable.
**1:50:00**
